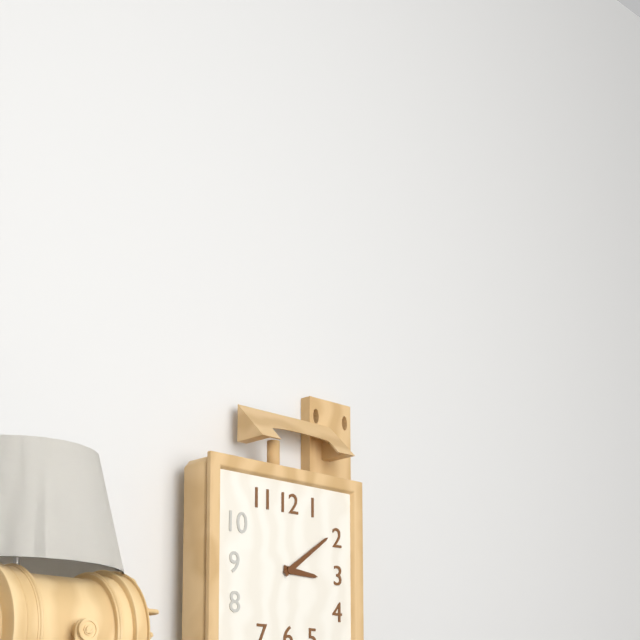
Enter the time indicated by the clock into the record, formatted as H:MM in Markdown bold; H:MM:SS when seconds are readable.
**3:09**
